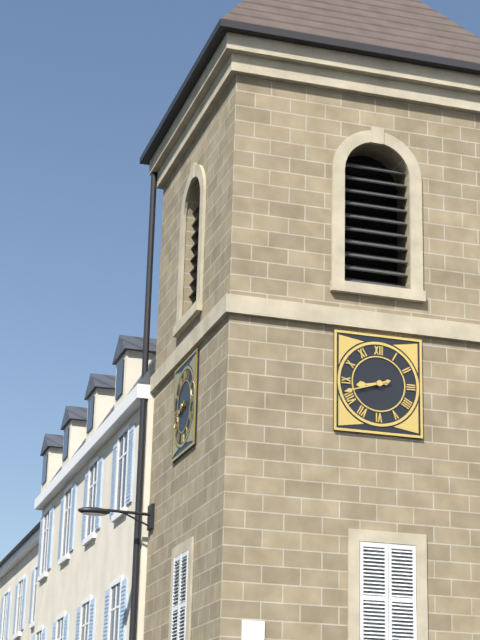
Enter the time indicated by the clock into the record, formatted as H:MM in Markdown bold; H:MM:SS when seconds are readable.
**8:42**
